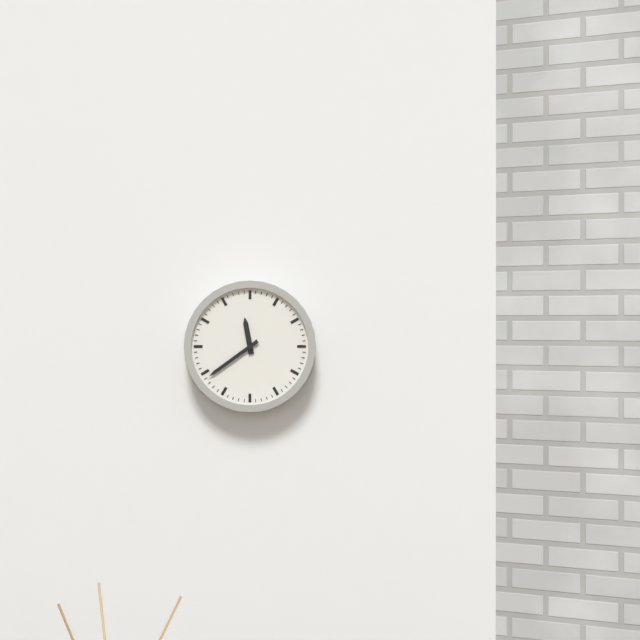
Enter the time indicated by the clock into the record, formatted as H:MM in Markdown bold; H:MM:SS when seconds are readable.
**11:39**
